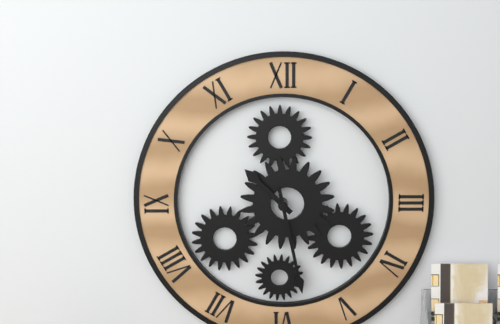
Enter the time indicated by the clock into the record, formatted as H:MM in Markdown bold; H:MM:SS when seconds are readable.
**10:28**
